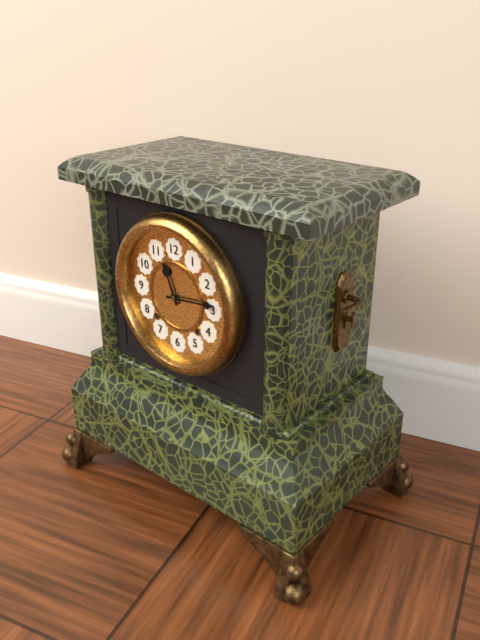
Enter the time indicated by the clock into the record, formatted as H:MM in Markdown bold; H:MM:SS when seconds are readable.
**11:14**
